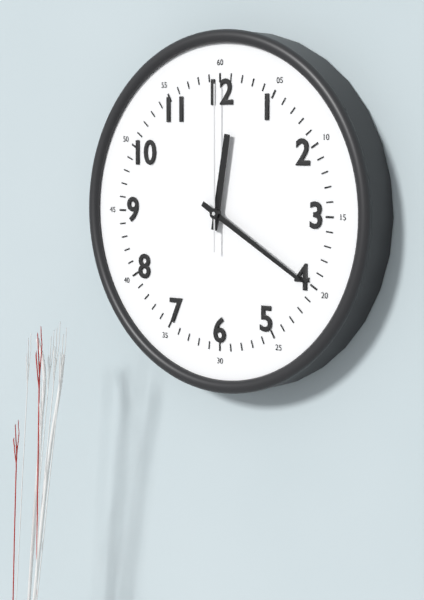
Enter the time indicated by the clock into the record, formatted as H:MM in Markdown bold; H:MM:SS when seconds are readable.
**12:20:00**
